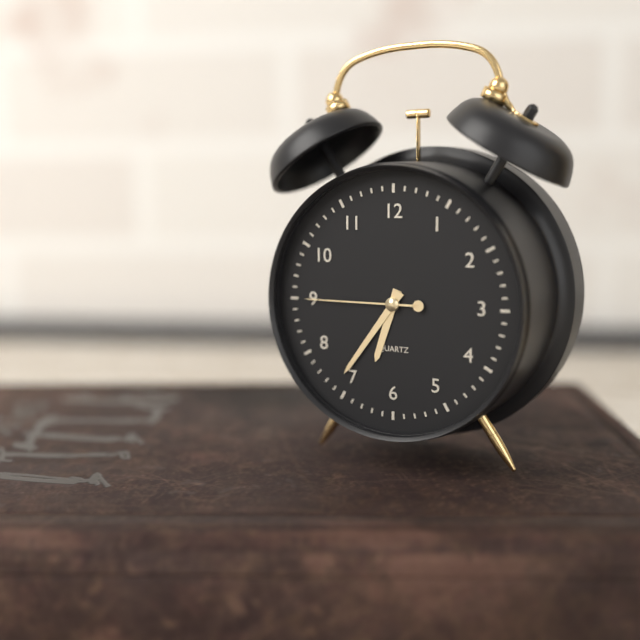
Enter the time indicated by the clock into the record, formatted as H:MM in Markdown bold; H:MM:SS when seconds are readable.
**6:36:45**
